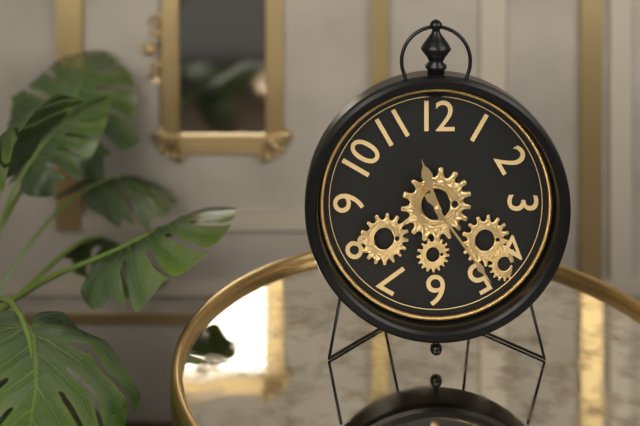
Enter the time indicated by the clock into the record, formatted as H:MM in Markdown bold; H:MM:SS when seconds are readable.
**11:24**
